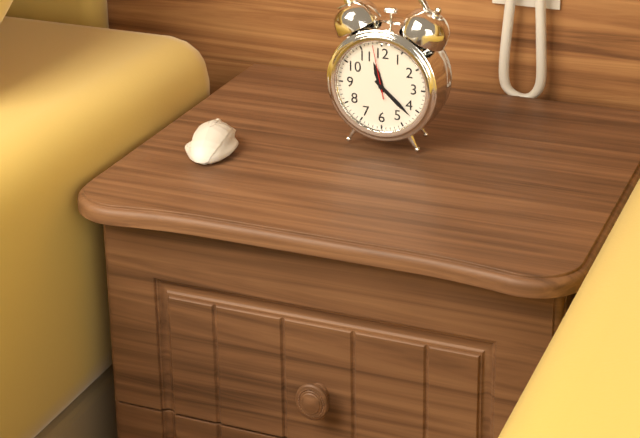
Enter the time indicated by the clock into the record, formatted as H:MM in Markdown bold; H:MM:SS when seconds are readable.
**11:22:58**
